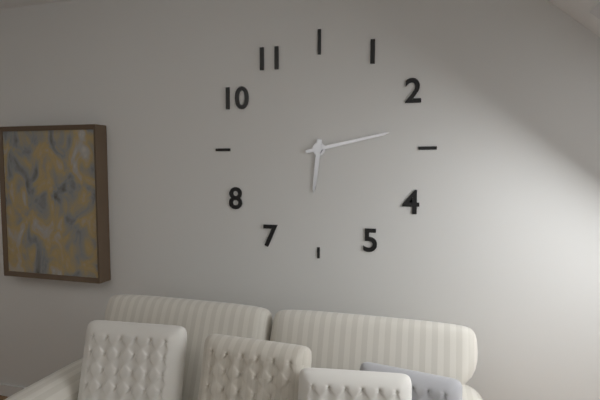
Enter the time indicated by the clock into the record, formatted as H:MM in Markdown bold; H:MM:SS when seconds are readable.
**6:13**
